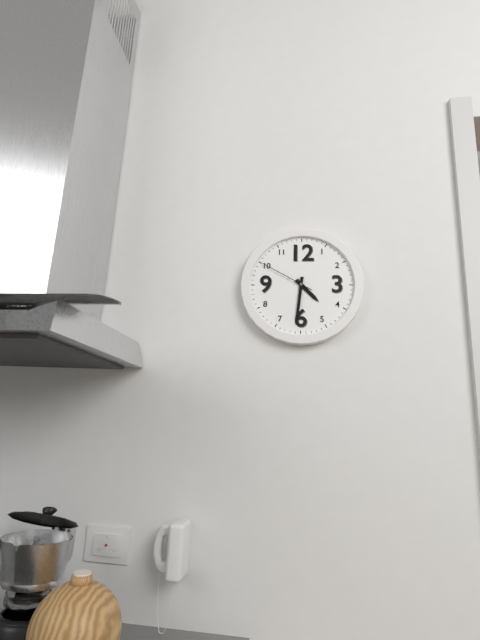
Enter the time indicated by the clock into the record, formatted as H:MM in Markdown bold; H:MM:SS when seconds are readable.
**4:31:50**
